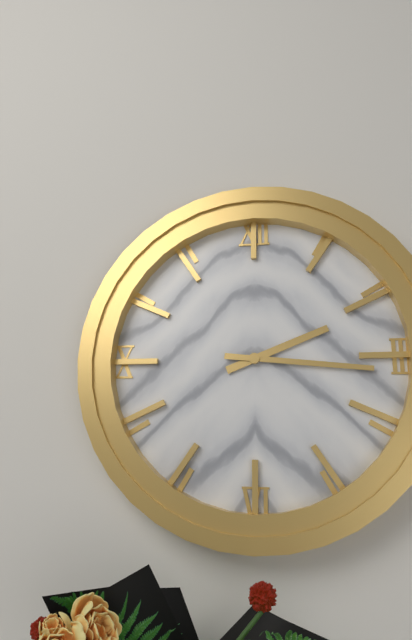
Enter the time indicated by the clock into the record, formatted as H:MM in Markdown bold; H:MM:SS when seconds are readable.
**2:16**
